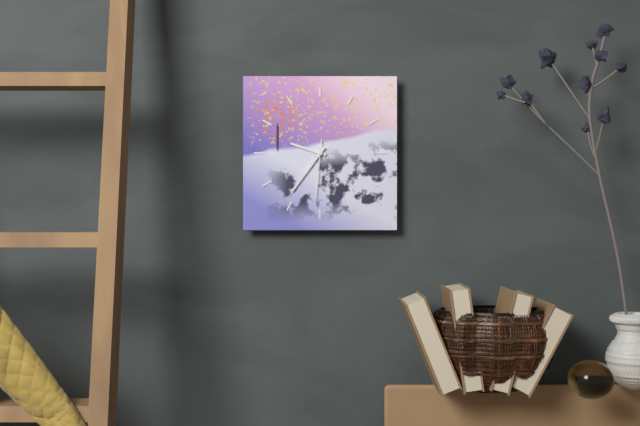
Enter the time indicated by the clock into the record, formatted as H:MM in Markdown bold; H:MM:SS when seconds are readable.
**9:36:31**
